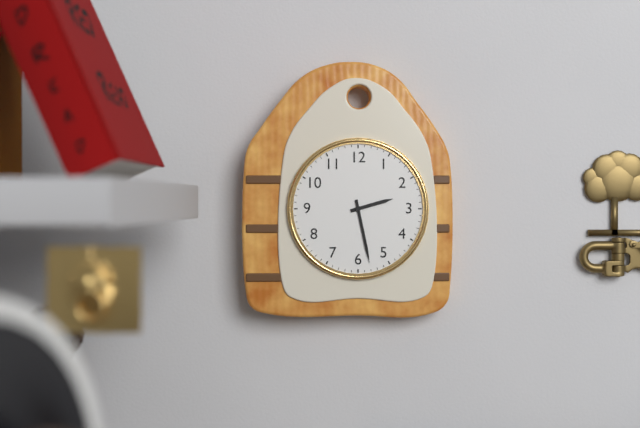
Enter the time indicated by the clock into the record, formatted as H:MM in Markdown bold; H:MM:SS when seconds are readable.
**2:28**
